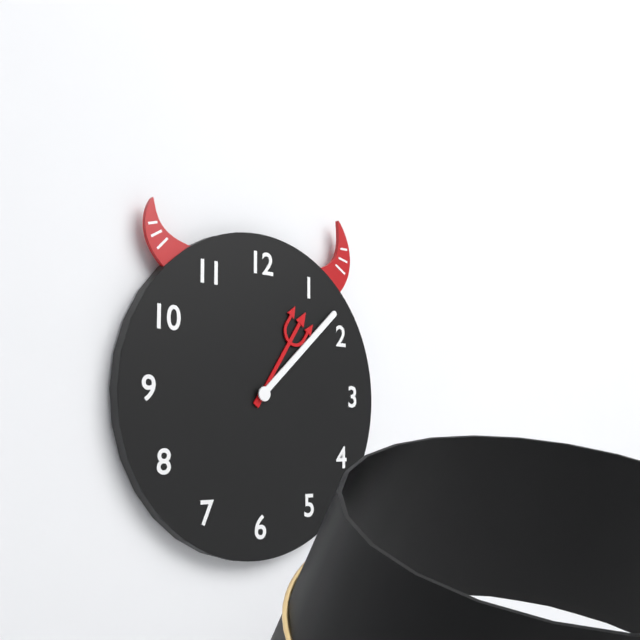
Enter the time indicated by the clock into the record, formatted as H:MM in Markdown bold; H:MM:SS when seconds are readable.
**1:08**
